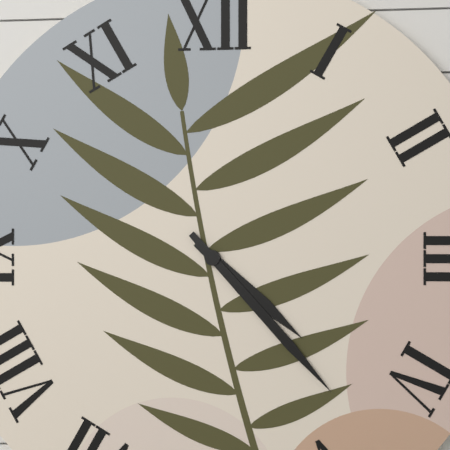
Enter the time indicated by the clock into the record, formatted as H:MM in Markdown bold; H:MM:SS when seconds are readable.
**4:23**
